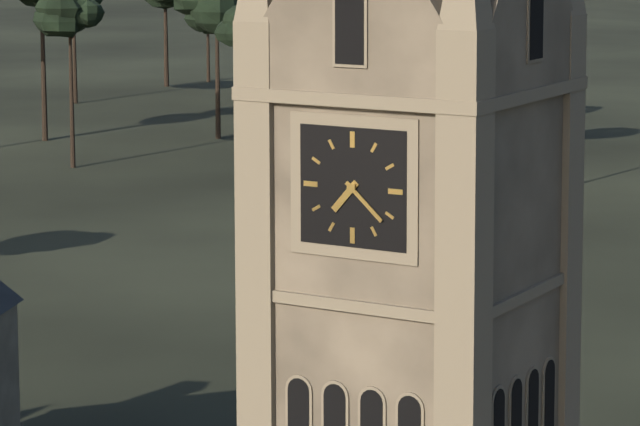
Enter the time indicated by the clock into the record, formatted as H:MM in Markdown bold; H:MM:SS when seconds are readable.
**7:22**
